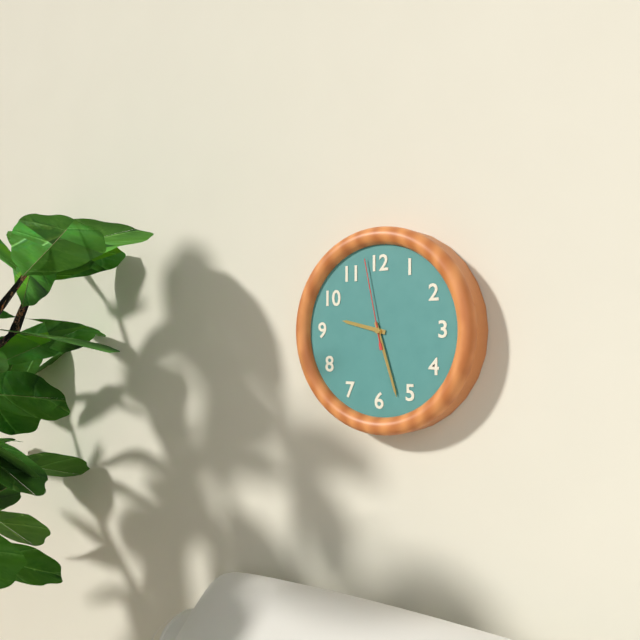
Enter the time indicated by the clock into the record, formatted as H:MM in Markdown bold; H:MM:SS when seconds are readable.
**9:27:58**
